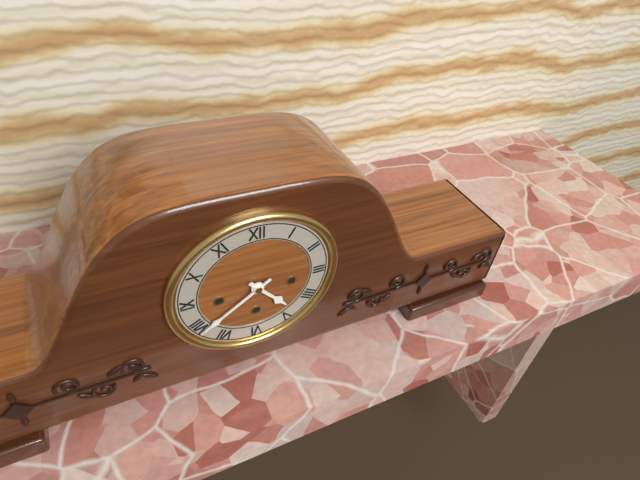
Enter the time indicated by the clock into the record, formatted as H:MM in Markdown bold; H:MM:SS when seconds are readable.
**4:39**
